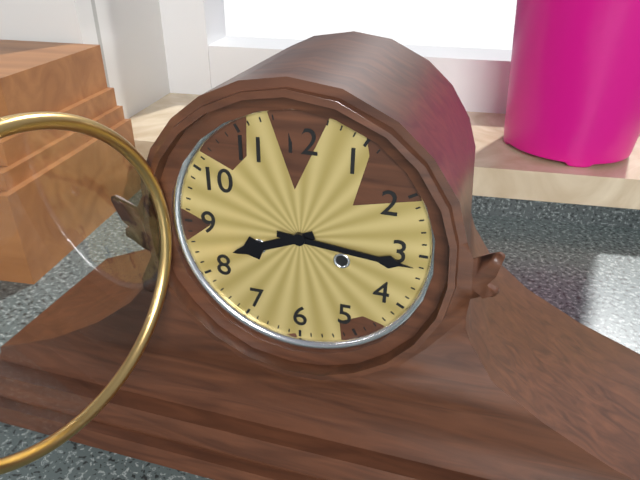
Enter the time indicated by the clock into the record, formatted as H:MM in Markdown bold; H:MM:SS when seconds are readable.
**8:16**
